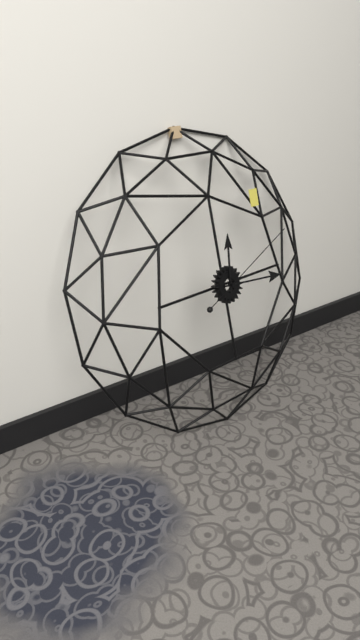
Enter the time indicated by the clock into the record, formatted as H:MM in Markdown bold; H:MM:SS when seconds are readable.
**12:16:11**
